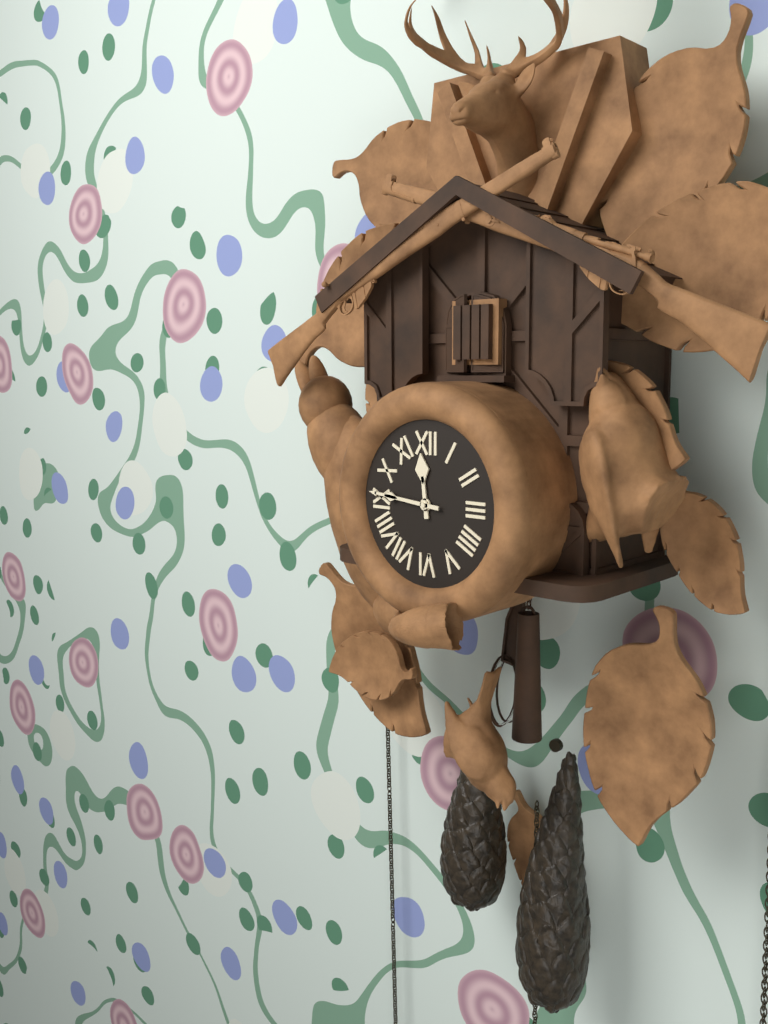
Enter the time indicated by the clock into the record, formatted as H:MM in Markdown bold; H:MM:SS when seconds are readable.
**11:46**
